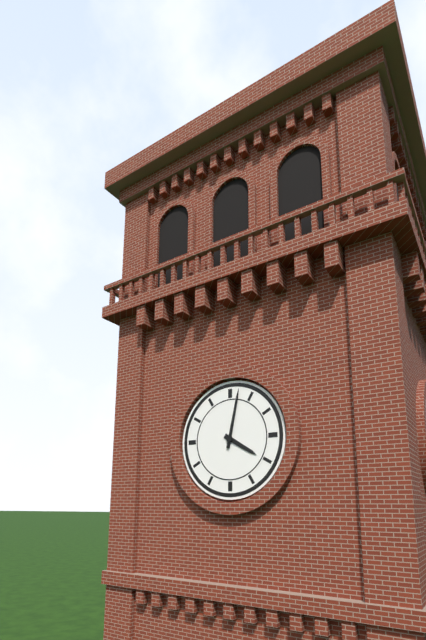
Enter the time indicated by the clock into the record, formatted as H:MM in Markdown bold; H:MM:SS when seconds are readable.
**4:02**
